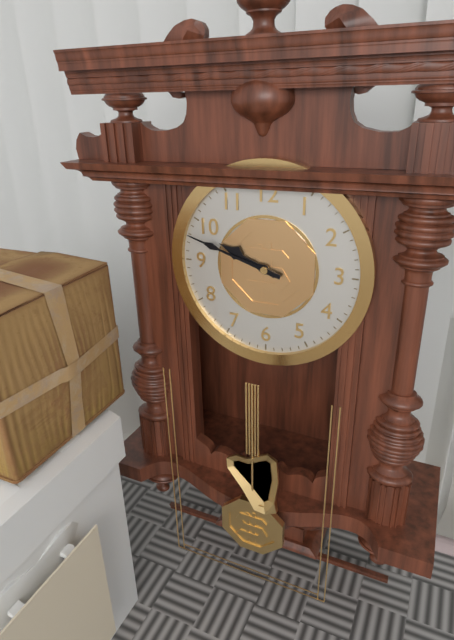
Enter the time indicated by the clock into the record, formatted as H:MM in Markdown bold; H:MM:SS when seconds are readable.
**9:48**
